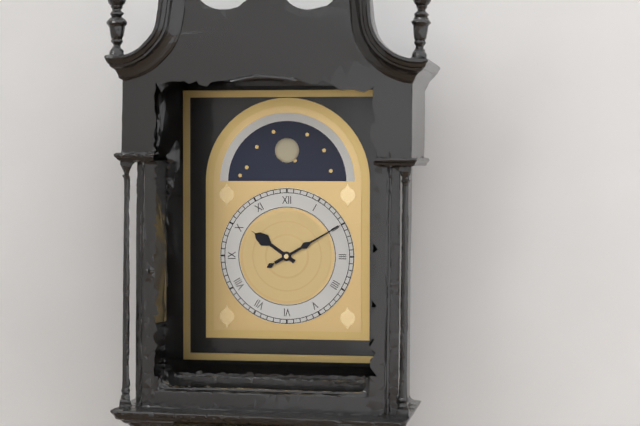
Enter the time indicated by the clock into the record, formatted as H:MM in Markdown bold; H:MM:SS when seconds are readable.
**10:10**
